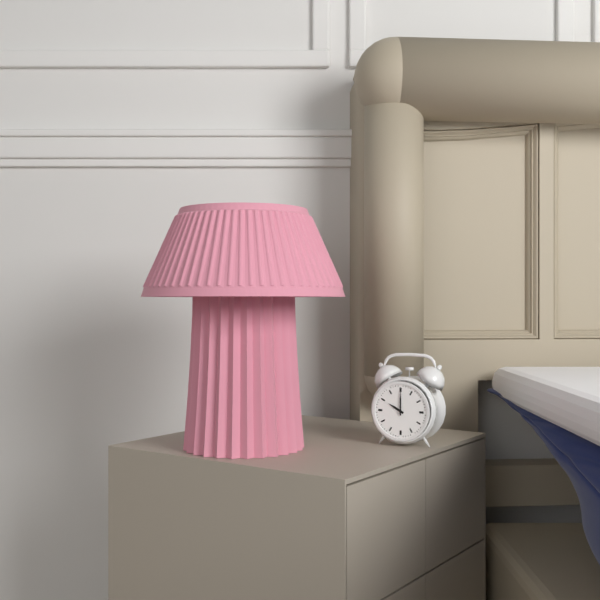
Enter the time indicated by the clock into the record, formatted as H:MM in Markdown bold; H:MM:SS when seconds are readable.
**10:00**
